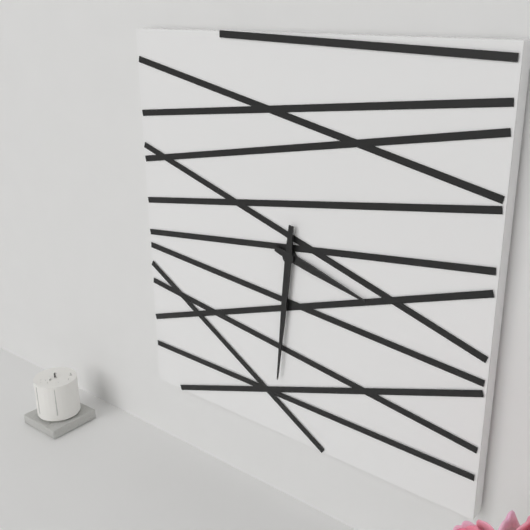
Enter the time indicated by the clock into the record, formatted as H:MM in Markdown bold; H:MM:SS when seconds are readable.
**3:31**
